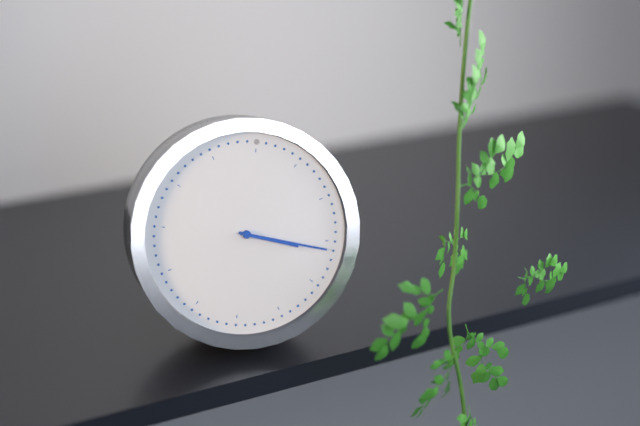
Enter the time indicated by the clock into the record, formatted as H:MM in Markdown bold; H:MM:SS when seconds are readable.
**3:16**
